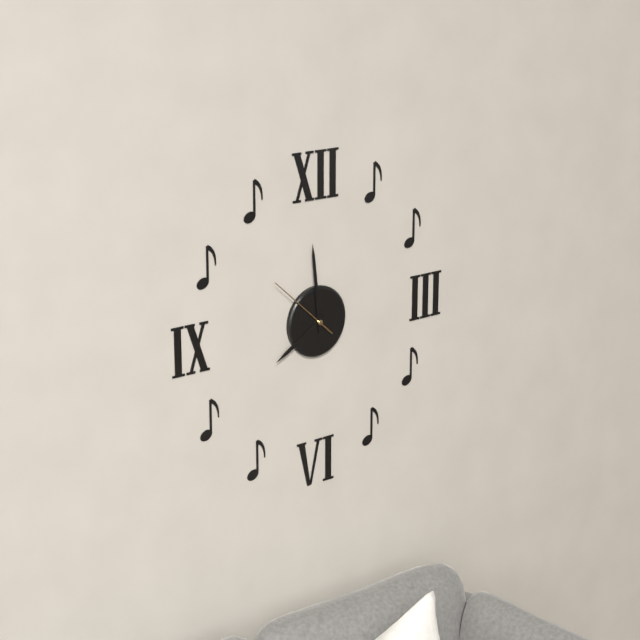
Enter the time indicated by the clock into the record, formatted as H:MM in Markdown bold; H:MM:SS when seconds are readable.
**7:59:52**
